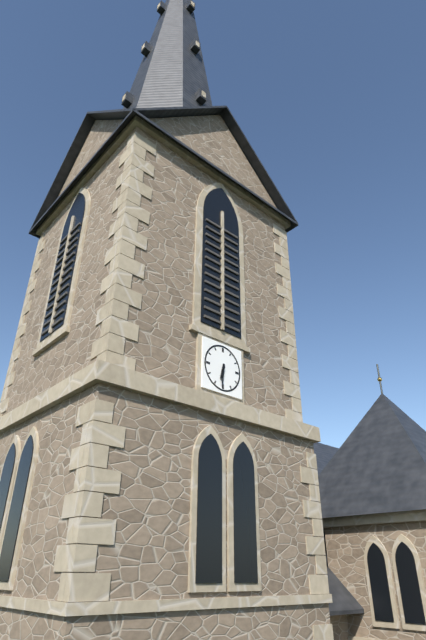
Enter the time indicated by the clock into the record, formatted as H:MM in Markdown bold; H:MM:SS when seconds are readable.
**6:31**
